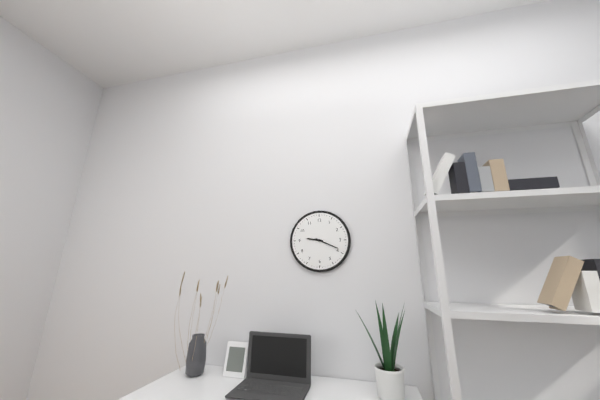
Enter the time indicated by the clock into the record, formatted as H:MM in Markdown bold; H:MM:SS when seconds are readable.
**9:19**
